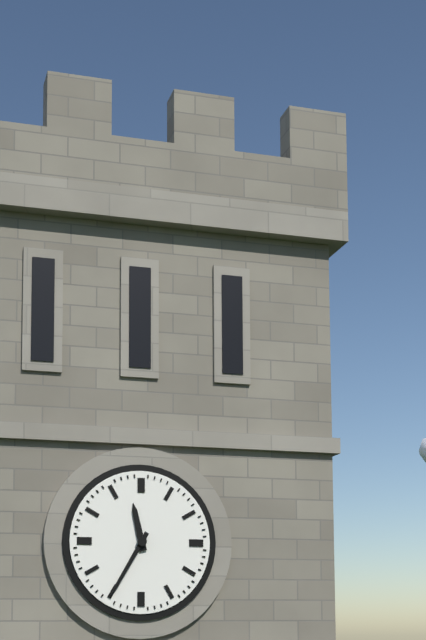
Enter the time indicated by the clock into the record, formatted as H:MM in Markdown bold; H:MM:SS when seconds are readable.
**11:35**
